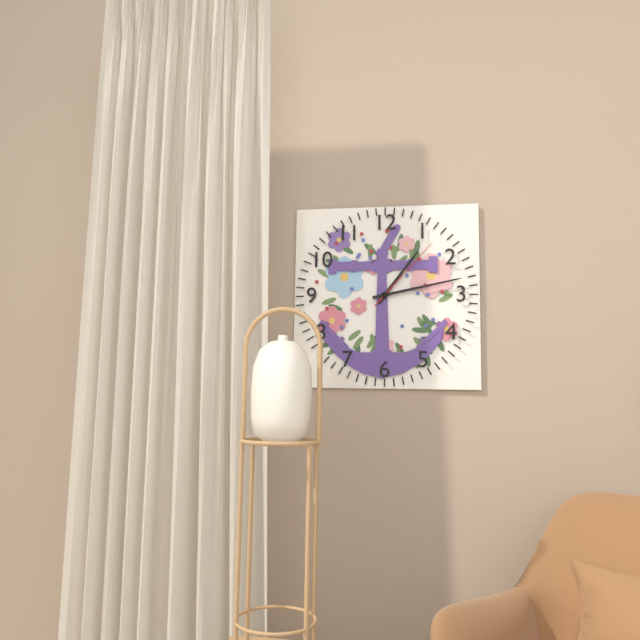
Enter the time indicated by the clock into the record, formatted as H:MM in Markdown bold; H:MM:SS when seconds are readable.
**1:13:07**
